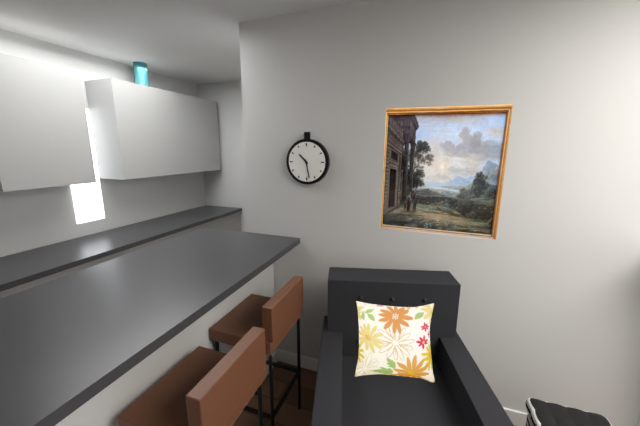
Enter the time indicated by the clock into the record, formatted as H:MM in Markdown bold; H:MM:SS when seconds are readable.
**10:28**
